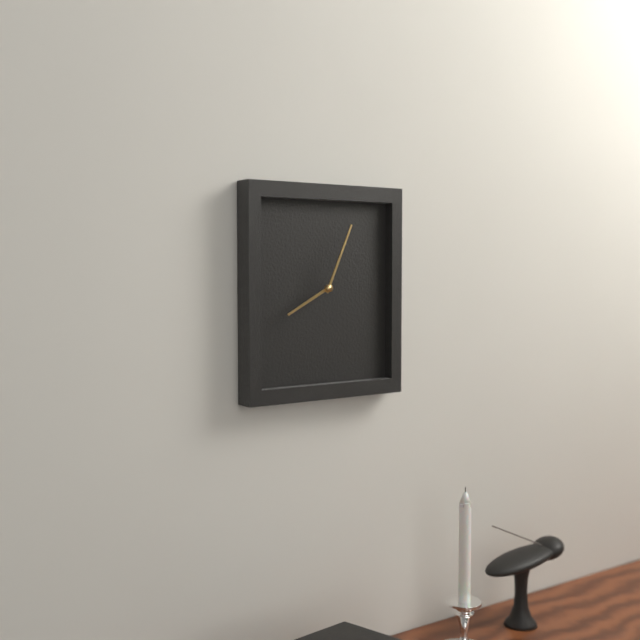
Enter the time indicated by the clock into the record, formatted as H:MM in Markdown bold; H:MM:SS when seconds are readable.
**8:04**
